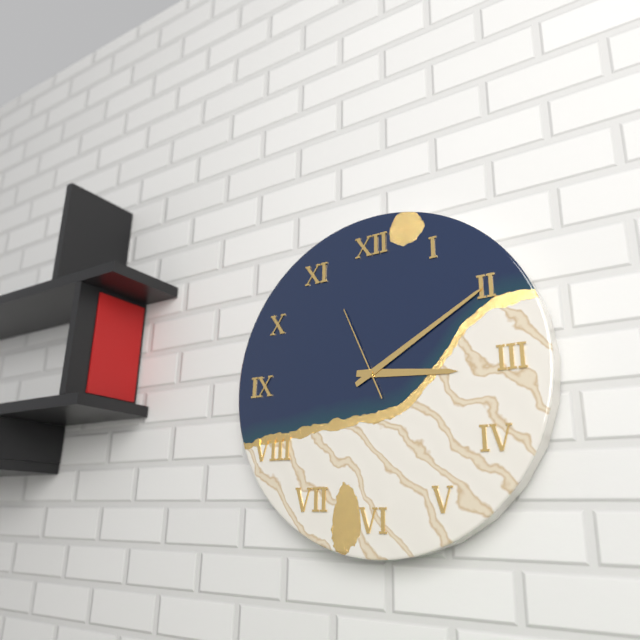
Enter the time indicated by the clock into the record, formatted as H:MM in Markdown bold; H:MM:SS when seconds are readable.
**3:10:56**
